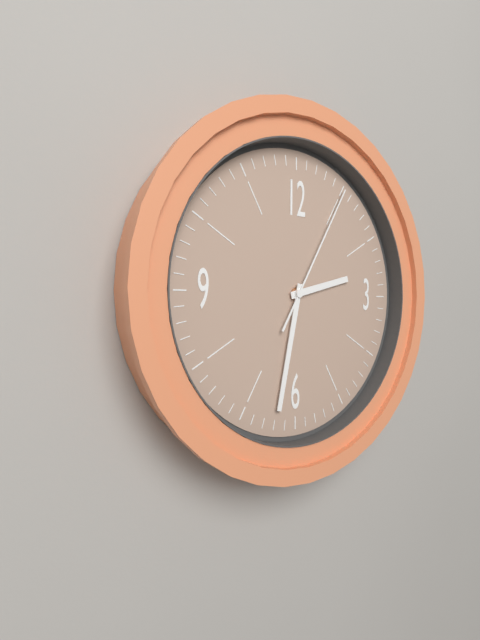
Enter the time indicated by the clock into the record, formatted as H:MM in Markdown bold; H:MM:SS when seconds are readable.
**2:32:05**
